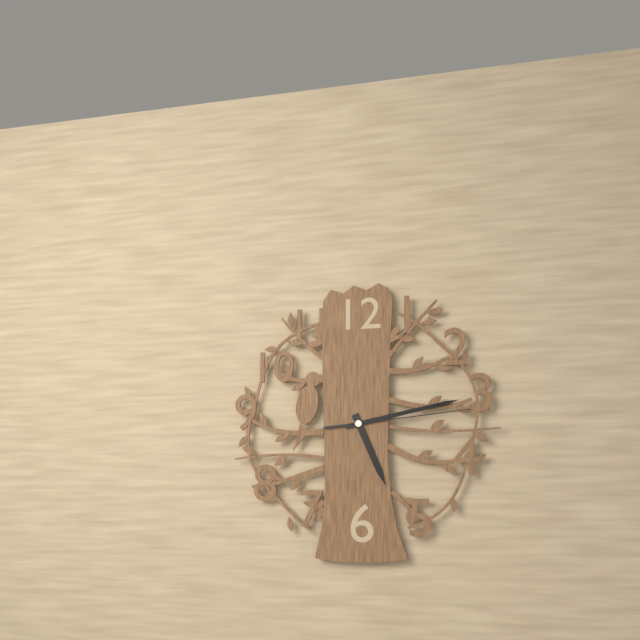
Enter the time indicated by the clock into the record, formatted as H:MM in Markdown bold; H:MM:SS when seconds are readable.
**5:13:14**
